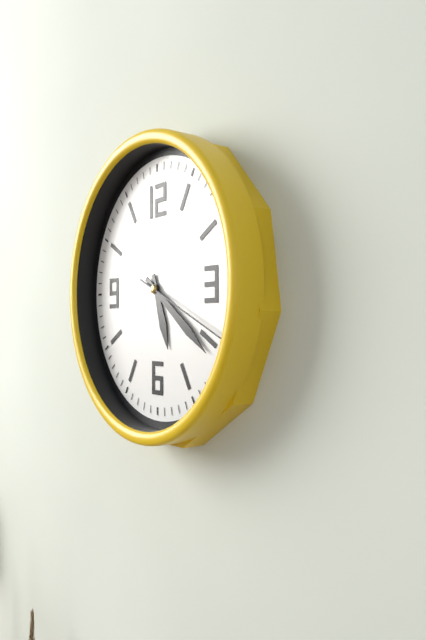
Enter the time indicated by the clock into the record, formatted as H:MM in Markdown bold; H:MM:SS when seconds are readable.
**5:21:19**
